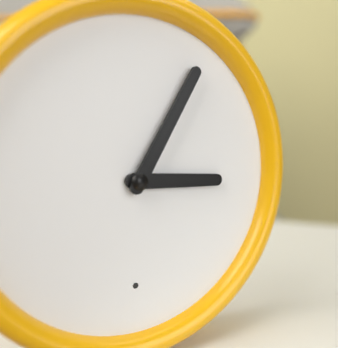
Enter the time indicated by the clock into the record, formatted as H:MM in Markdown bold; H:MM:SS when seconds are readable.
**3:05**
